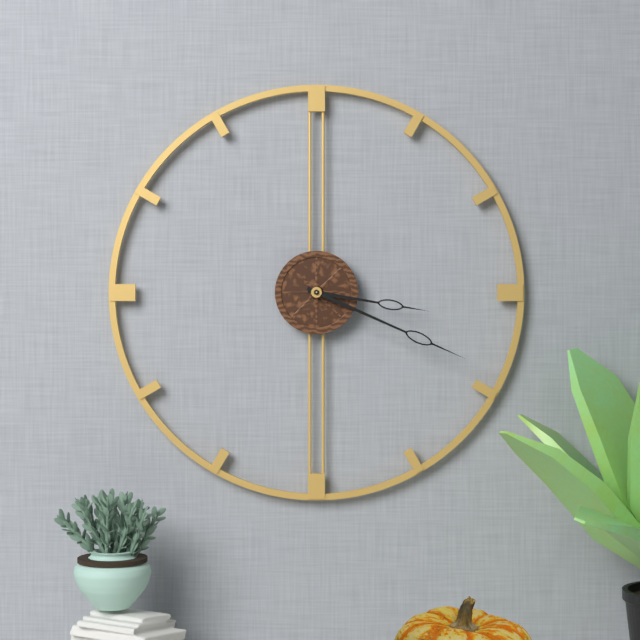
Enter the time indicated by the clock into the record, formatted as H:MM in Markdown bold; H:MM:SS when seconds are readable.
**3:19**
